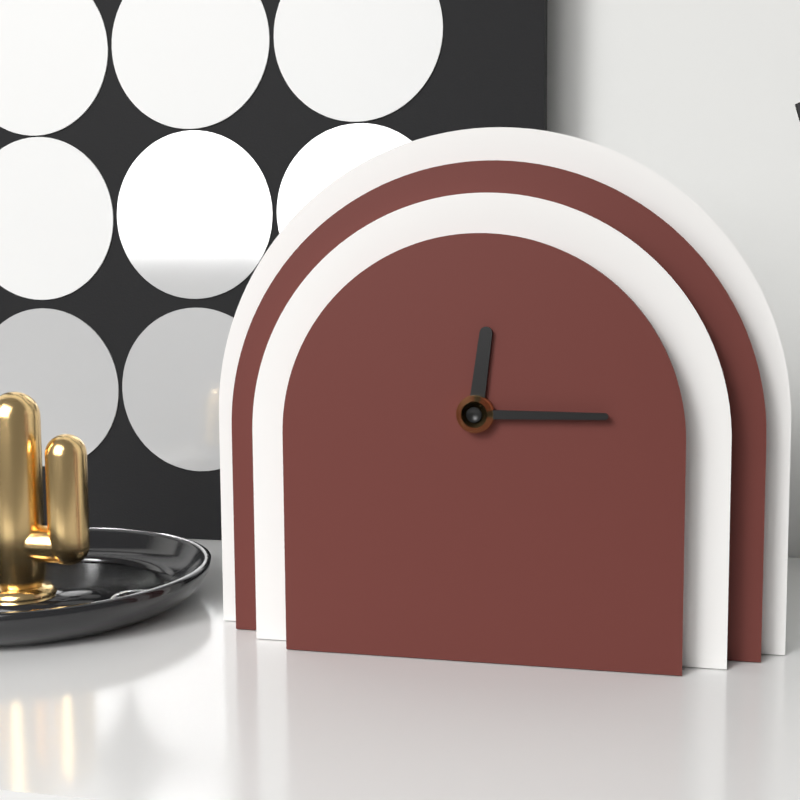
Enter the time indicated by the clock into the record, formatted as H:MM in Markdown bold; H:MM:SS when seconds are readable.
**12:15**
